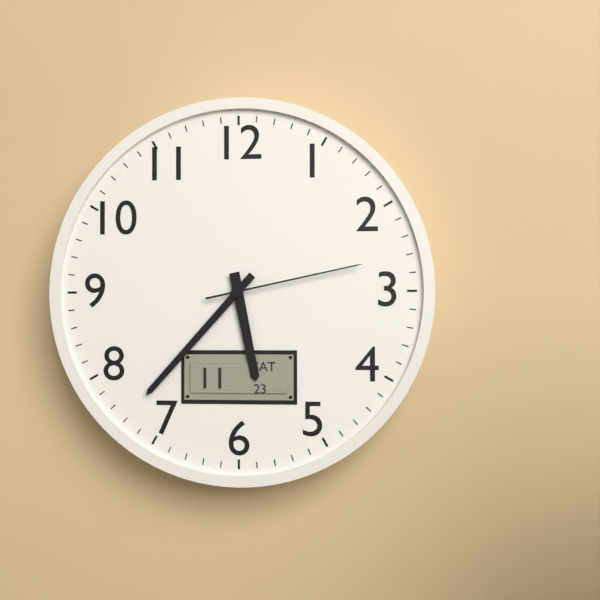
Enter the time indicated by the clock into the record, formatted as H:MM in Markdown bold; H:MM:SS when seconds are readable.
**5:37:13**
